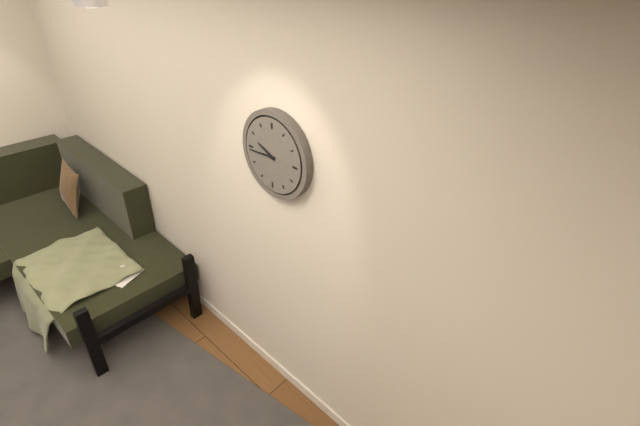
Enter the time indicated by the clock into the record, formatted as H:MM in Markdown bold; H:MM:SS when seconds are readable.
**9:44**
